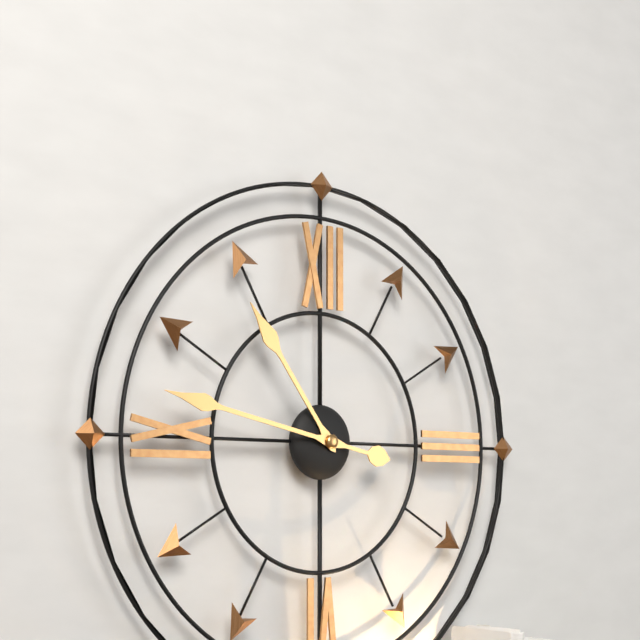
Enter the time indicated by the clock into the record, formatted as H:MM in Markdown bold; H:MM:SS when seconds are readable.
**10:47**
